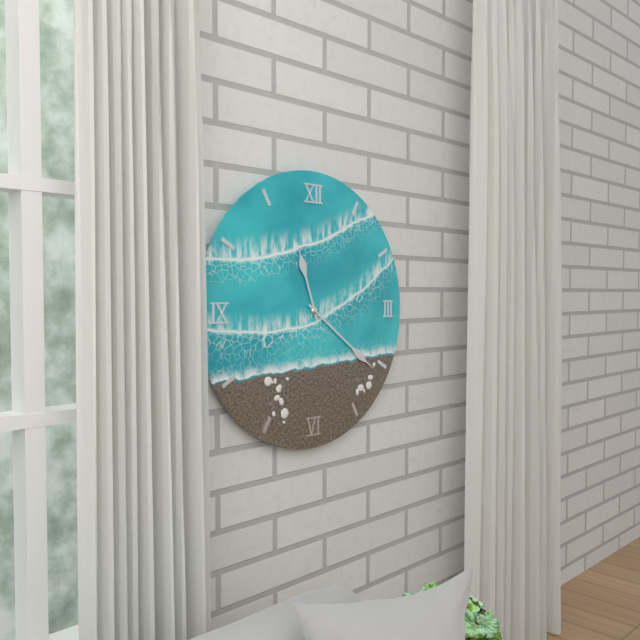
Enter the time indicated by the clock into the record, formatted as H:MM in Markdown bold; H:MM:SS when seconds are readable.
**11:21**
